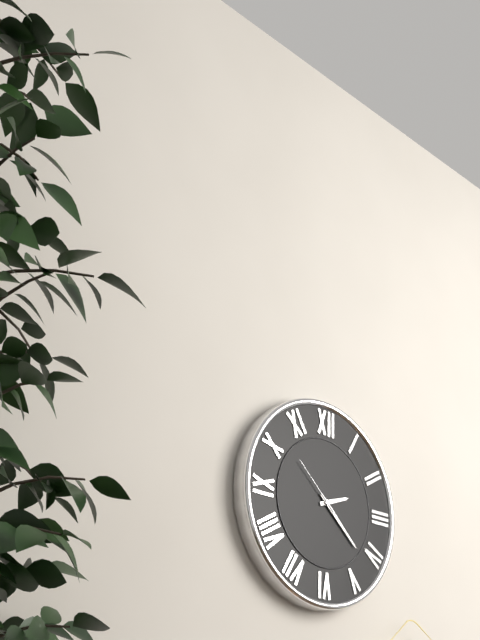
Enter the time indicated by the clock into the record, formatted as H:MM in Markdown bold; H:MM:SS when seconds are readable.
**2:22:52**
